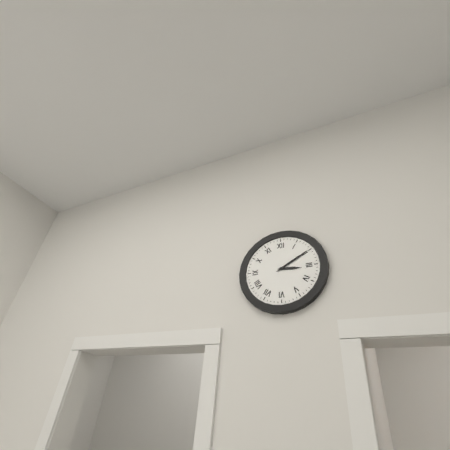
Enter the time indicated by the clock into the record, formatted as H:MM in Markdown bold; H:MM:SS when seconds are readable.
**3:10**
